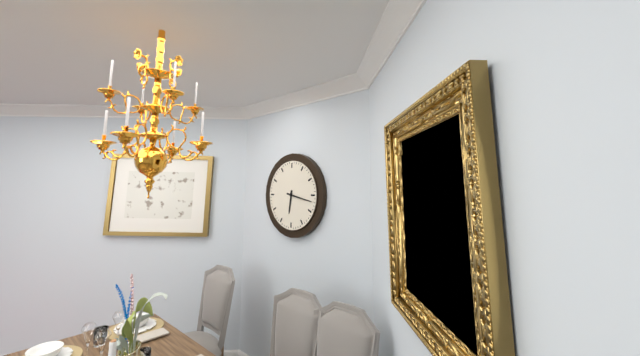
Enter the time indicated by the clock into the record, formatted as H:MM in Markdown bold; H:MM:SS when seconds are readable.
**6:17**
